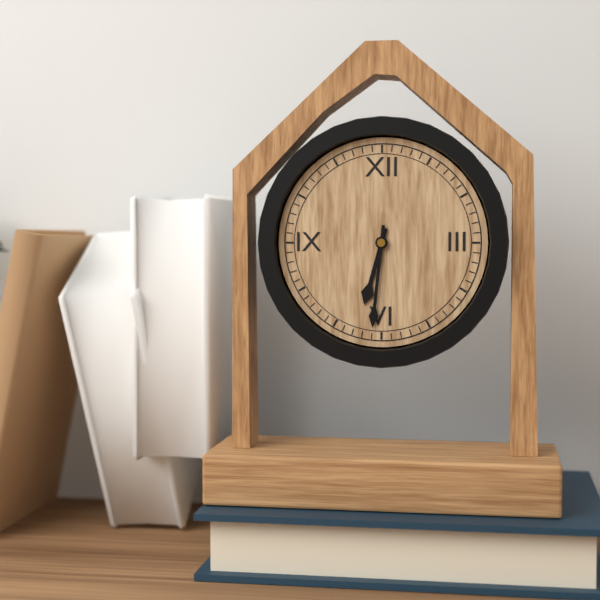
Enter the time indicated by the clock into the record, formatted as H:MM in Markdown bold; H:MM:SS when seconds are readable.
**6:31**
